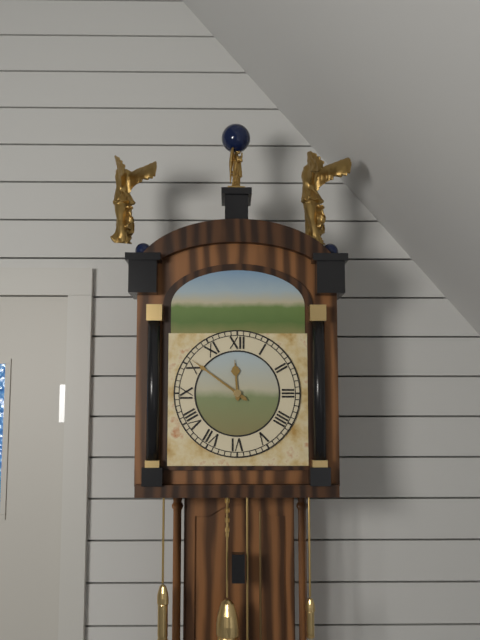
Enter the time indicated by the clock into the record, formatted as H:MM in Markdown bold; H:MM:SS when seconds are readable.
**11:51**
